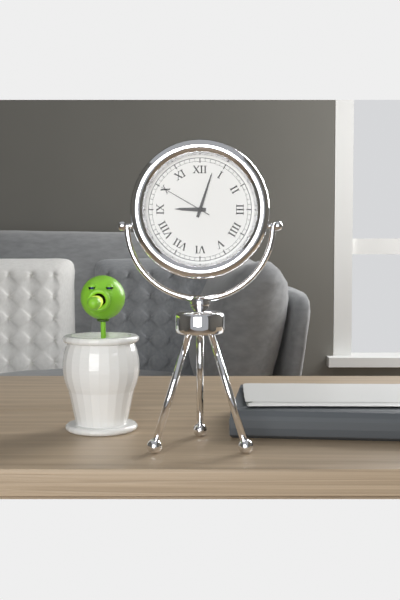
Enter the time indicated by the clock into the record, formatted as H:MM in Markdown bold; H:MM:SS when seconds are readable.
**9:03:50**
